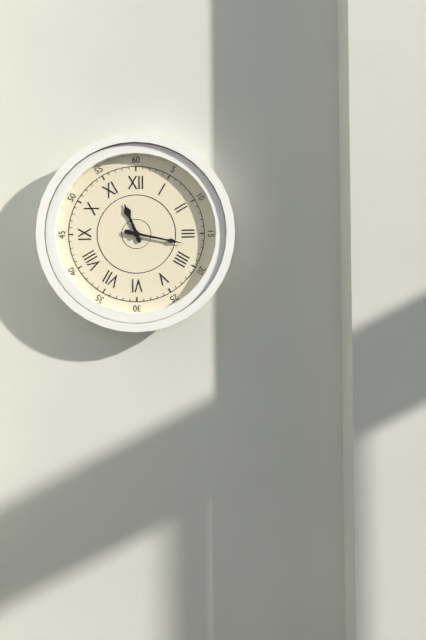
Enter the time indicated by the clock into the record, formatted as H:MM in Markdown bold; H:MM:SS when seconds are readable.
**11:17**
